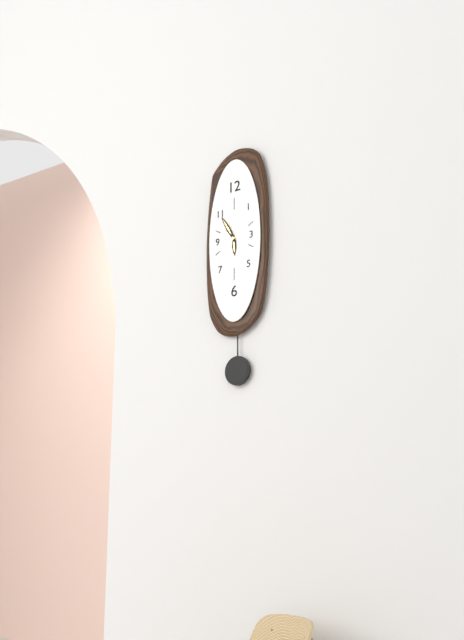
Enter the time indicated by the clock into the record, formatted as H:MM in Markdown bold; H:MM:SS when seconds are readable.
**5:55**
